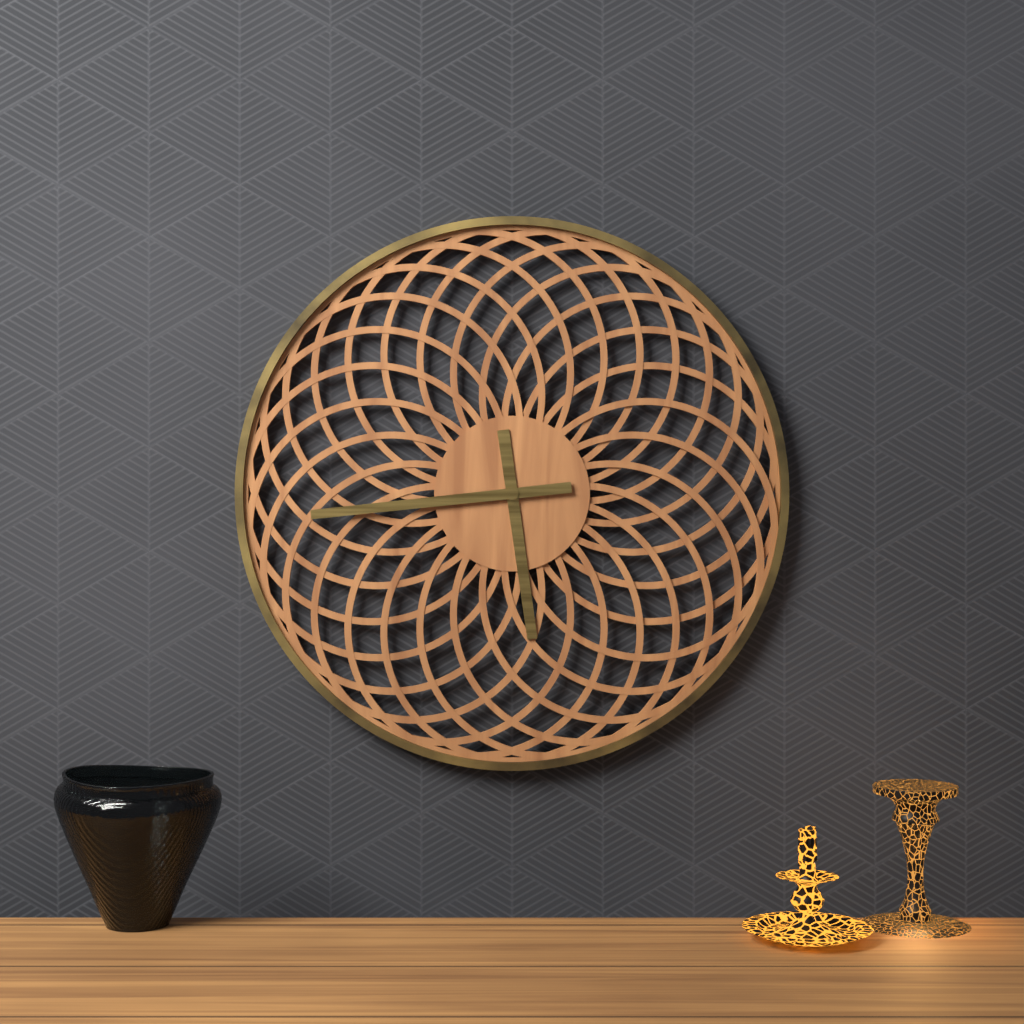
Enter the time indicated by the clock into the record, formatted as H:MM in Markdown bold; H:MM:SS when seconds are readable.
**5:44**
